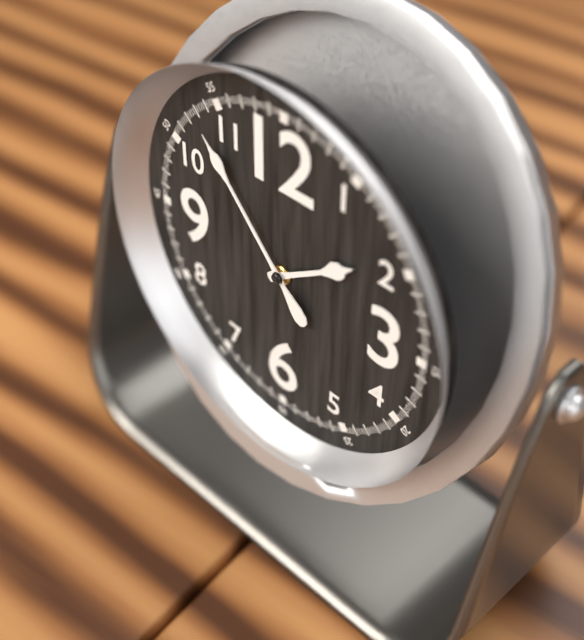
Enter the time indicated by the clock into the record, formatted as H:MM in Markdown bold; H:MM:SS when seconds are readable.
**1:53**
